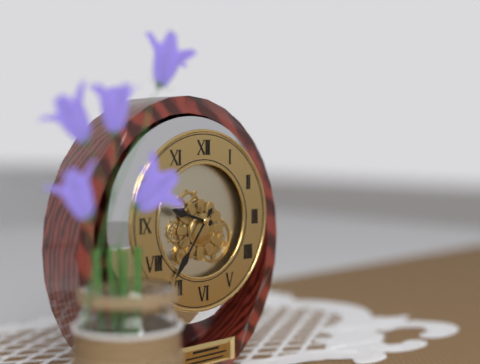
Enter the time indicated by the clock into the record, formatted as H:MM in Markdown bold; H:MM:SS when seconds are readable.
**9:36**
